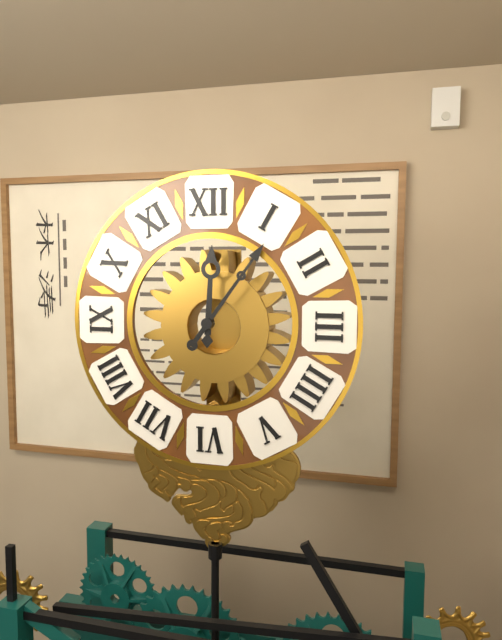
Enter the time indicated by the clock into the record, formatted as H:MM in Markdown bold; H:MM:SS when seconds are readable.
**12:06**
